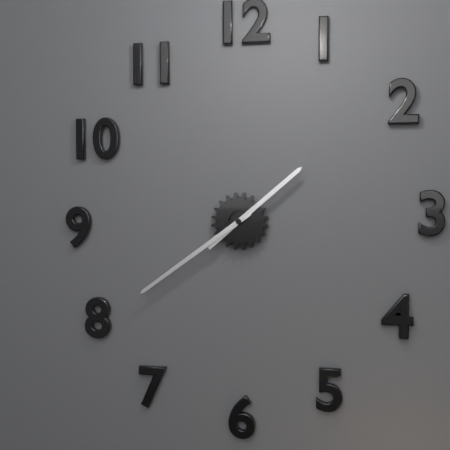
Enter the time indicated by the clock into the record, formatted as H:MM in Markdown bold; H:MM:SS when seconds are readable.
**1:39**
